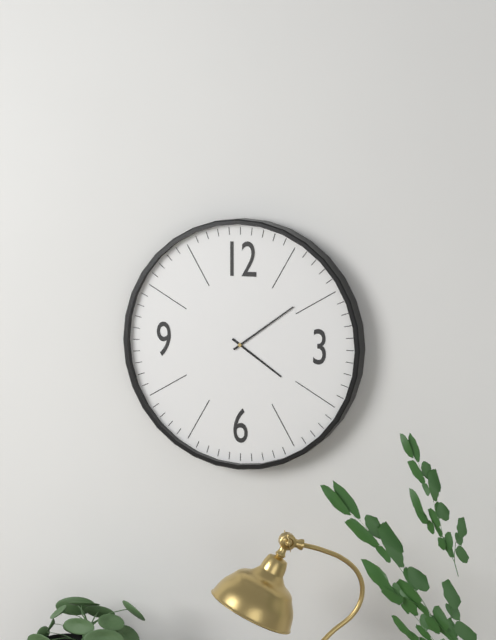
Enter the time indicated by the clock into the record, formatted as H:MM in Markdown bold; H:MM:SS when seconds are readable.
**4:09**
